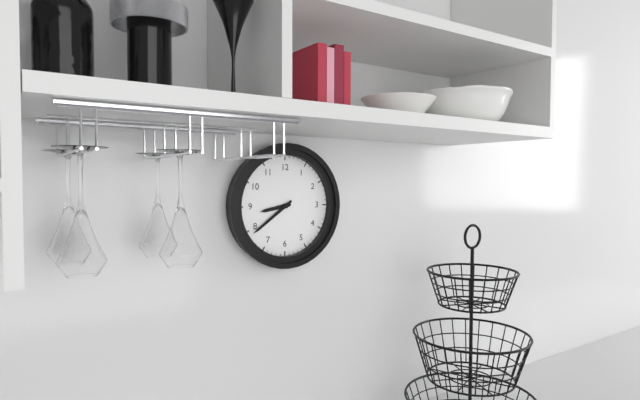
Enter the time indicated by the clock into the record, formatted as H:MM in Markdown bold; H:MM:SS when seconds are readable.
**8:39**
